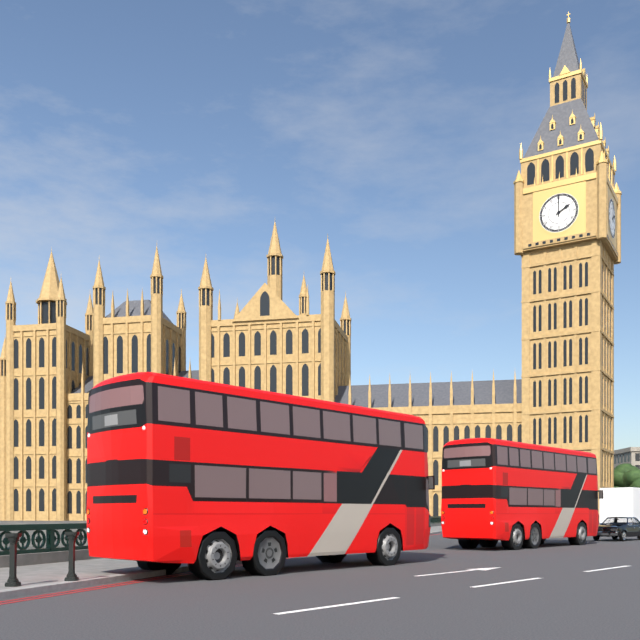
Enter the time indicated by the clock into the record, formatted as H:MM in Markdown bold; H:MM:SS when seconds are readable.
**2:00**
